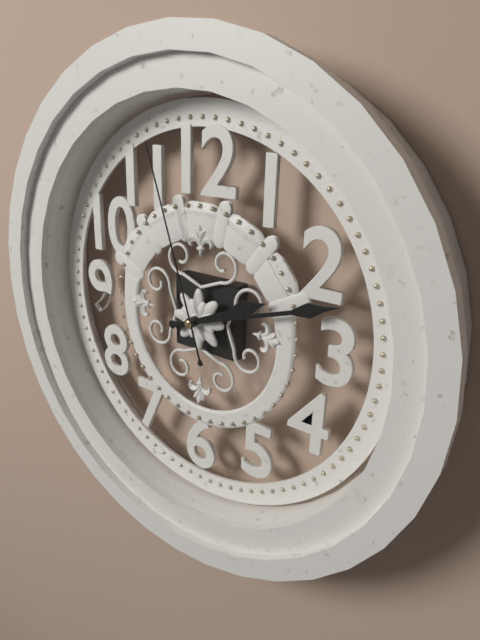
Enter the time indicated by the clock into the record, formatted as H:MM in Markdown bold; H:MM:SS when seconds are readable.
**2:12:57**
